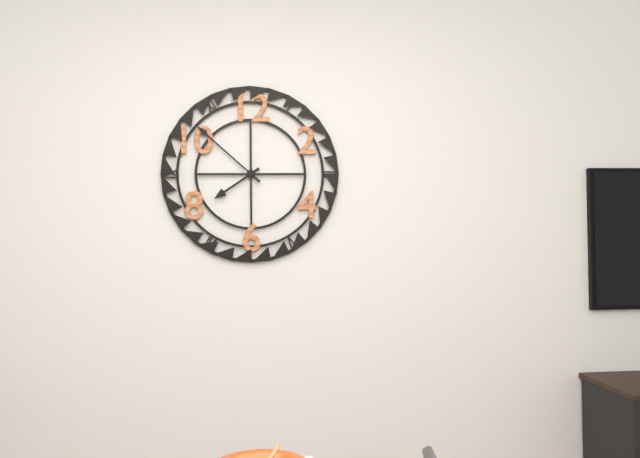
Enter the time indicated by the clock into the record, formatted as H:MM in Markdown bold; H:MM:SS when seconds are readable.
**7:52**
